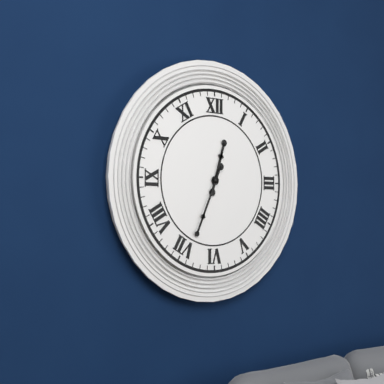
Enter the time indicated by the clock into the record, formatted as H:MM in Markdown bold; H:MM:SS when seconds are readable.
**12:34**
